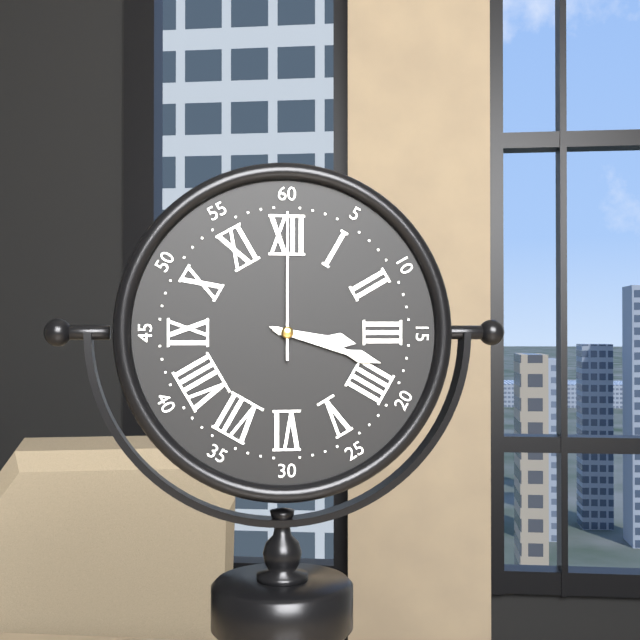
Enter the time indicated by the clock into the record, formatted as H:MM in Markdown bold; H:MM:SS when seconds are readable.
**3:18:00**
